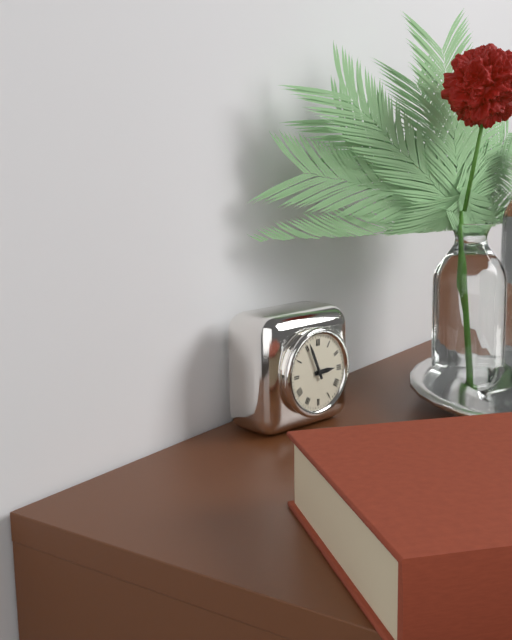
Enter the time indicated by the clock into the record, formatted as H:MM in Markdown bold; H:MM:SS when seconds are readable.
**2:56**
